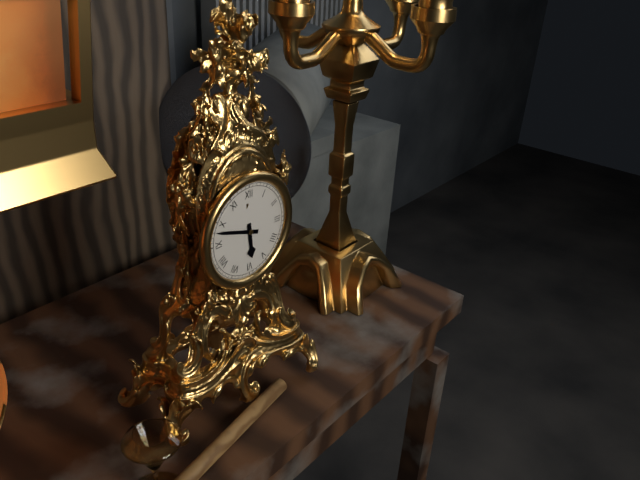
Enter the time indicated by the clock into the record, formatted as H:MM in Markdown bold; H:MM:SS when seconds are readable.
**5:48**
